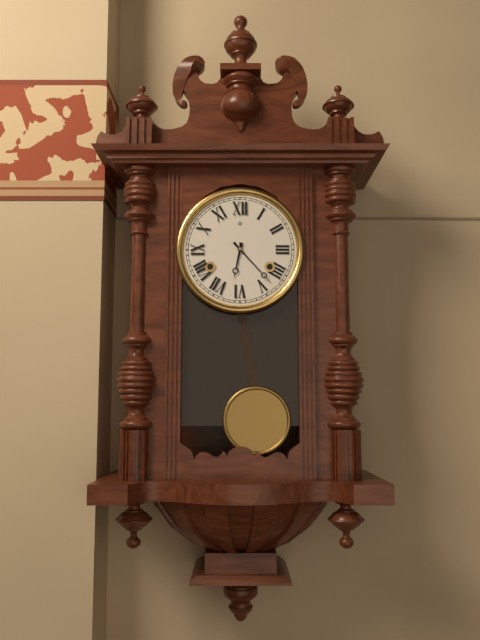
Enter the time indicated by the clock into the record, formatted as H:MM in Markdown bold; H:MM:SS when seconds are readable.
**6:23**
